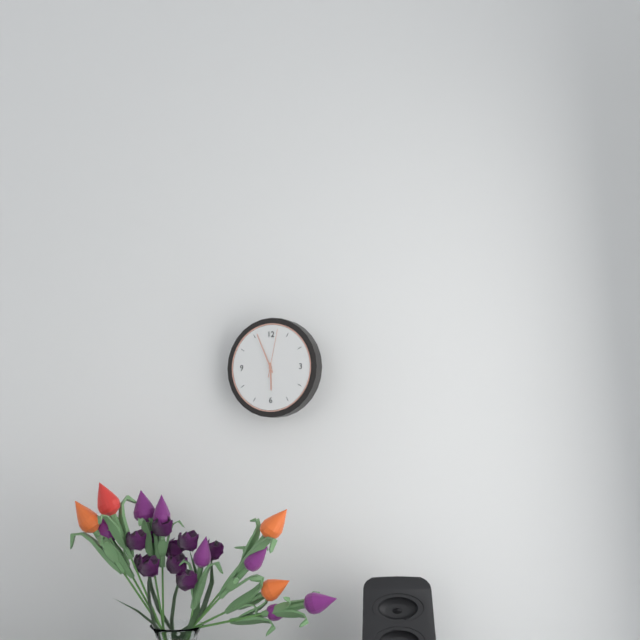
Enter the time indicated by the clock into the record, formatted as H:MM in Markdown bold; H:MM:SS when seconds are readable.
**5:56**
